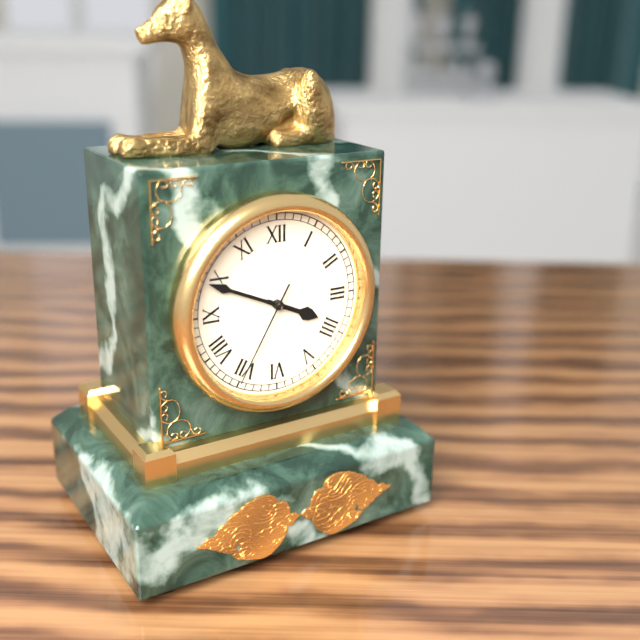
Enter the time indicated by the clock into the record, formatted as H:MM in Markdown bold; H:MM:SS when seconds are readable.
**3:49:35**
